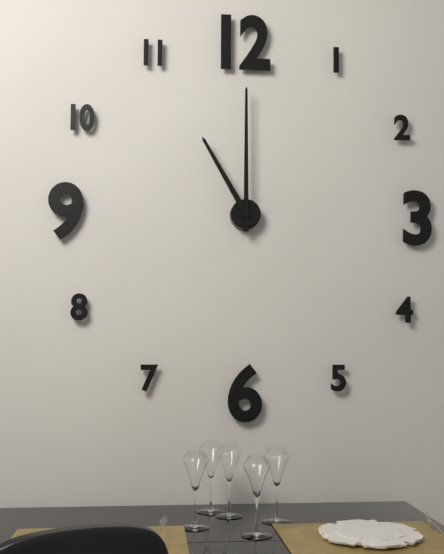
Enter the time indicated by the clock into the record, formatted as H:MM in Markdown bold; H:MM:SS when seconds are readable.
**11:00**
